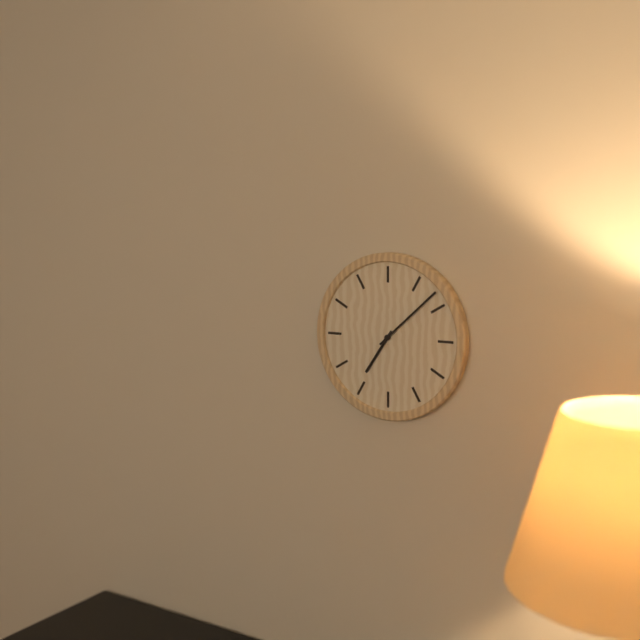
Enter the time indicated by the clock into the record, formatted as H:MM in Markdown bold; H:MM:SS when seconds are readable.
**7:08**
